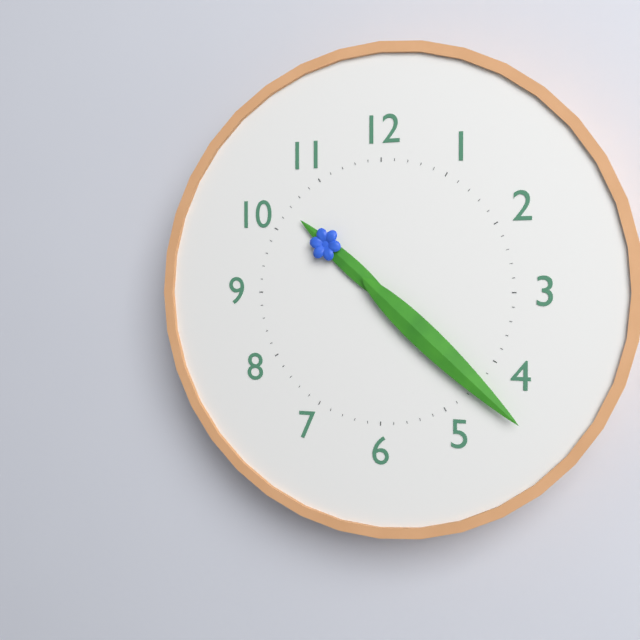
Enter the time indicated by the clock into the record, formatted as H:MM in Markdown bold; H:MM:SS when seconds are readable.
**10:22**
